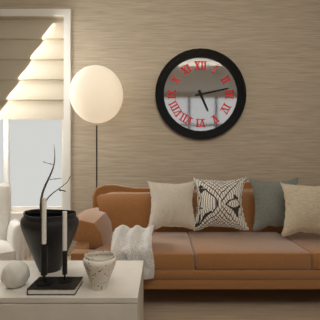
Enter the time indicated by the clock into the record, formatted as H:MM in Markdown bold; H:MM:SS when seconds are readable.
**5:13**
